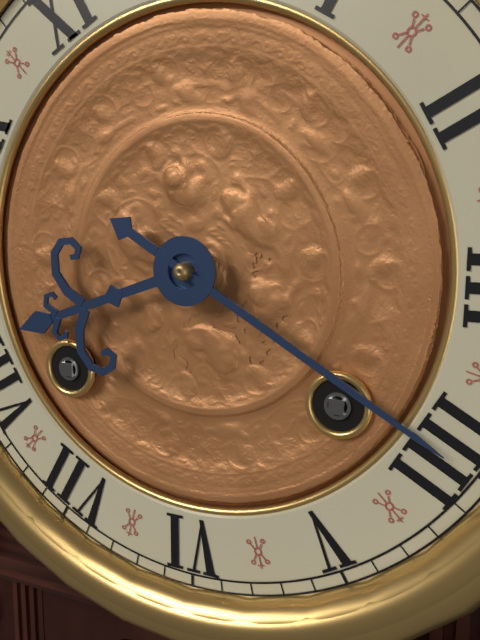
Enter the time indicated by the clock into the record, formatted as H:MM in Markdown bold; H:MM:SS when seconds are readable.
**8:20**
